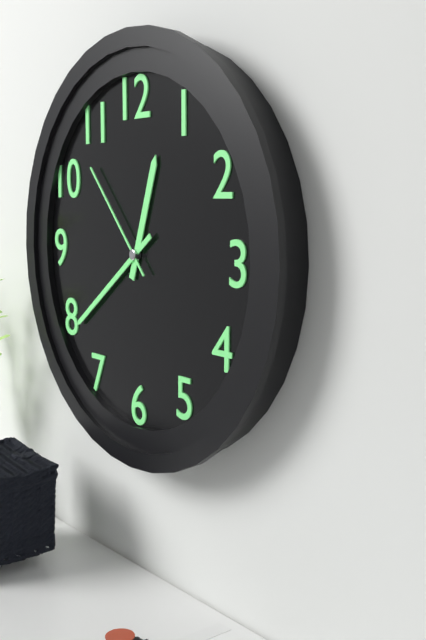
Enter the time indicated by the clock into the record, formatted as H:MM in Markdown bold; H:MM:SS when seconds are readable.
**12:39:53**
